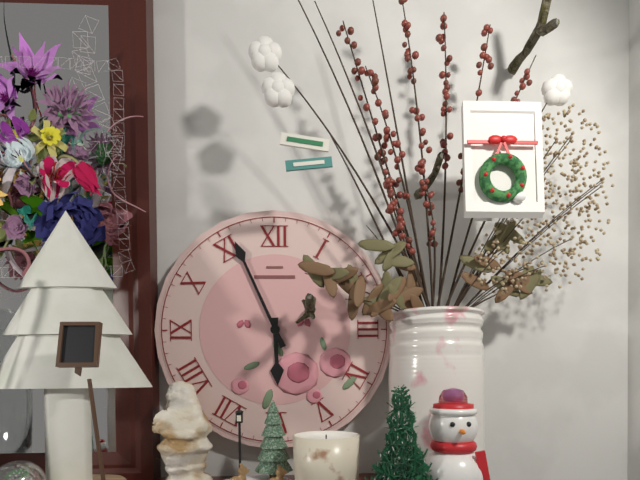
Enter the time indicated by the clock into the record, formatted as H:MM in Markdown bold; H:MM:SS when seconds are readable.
**5:56**
